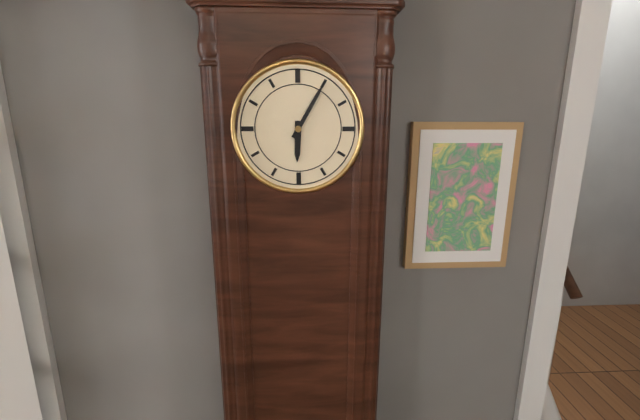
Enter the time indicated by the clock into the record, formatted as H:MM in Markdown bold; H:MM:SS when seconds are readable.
**6:05**
